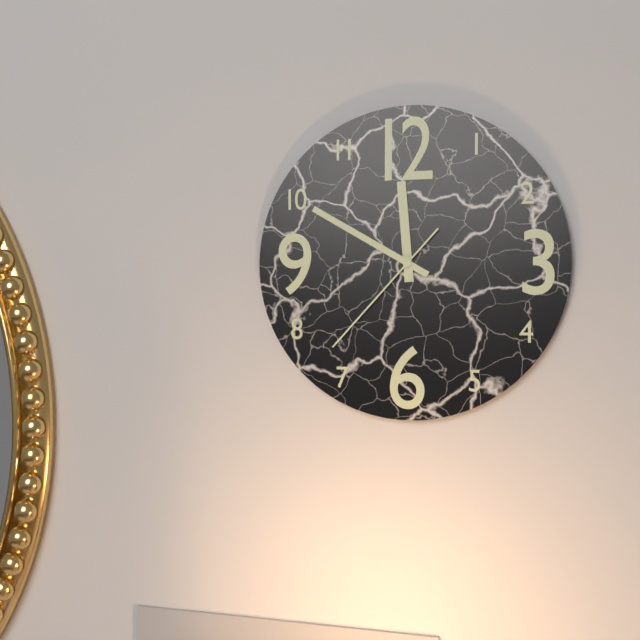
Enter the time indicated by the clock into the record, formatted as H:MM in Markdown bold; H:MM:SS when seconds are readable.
**11:50:37**
